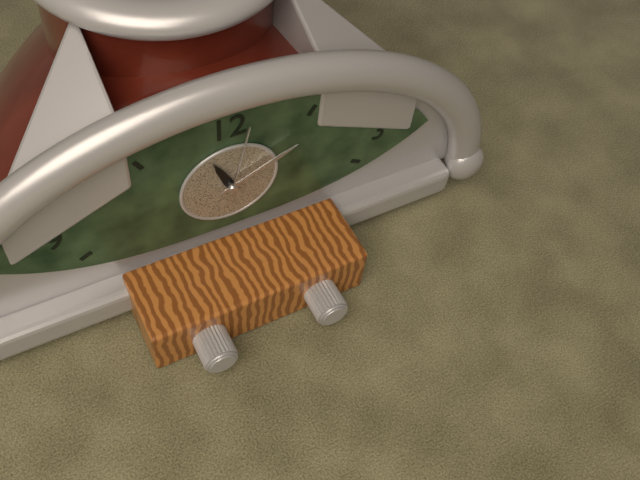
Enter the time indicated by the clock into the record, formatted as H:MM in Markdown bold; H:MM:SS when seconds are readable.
**11:11:02**
